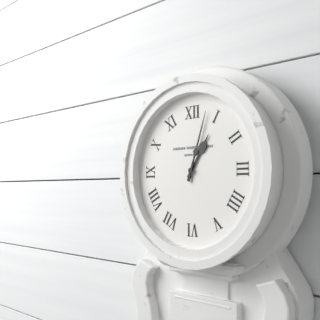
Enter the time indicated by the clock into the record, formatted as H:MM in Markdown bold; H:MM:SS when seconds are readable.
**1:03**
